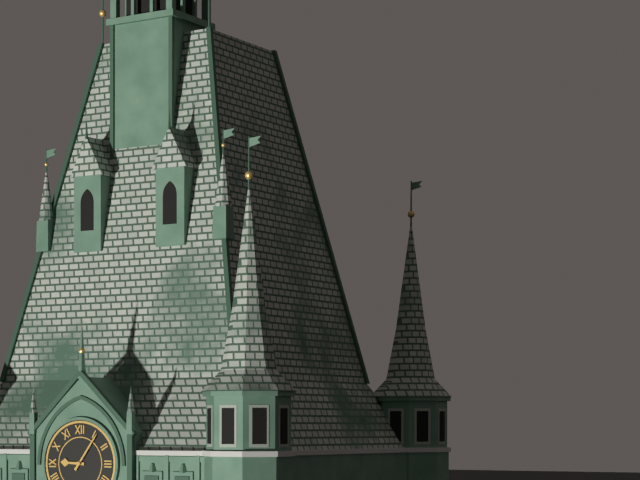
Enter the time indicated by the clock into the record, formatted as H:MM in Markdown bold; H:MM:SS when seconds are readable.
**9:06**
